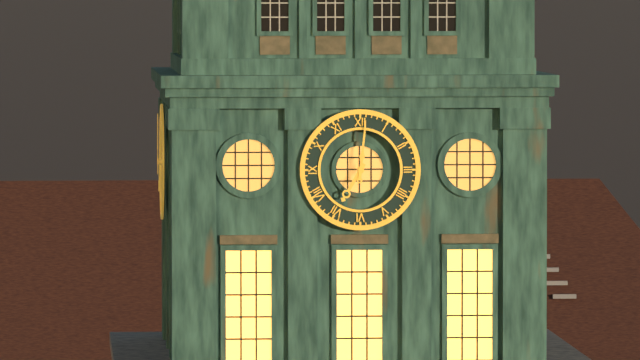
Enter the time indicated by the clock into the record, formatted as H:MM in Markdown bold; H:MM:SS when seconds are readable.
**7:01**
